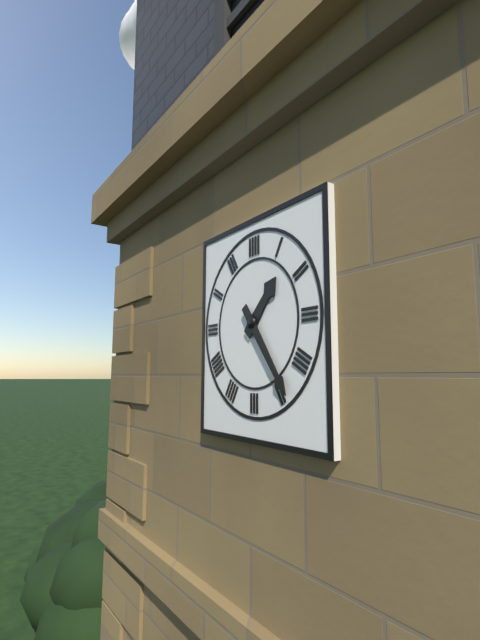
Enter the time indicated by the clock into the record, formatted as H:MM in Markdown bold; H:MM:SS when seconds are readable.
**1:24**
